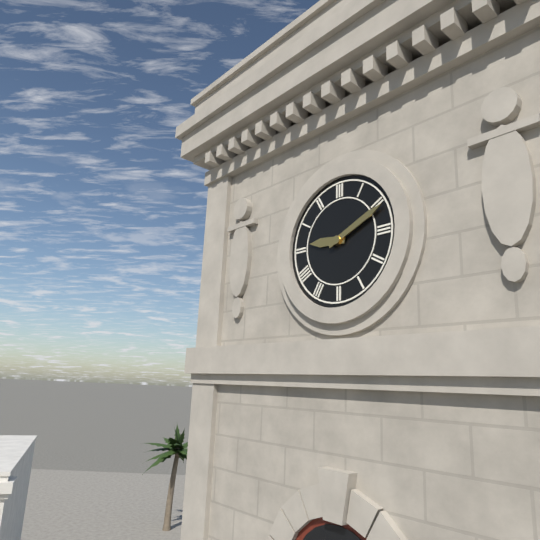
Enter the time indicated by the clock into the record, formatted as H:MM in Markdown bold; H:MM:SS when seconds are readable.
**9:11**
